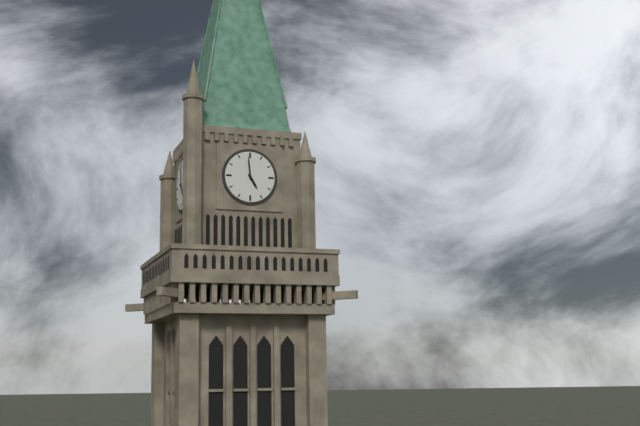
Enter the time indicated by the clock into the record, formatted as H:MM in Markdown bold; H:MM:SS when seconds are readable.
**4:59**
